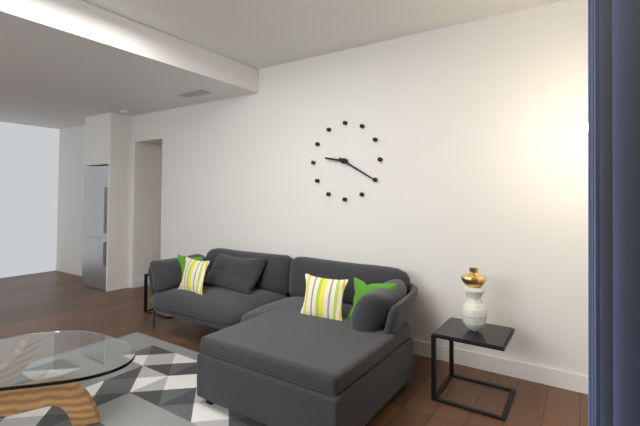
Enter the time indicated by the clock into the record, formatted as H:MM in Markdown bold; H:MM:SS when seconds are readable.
**9:20**
